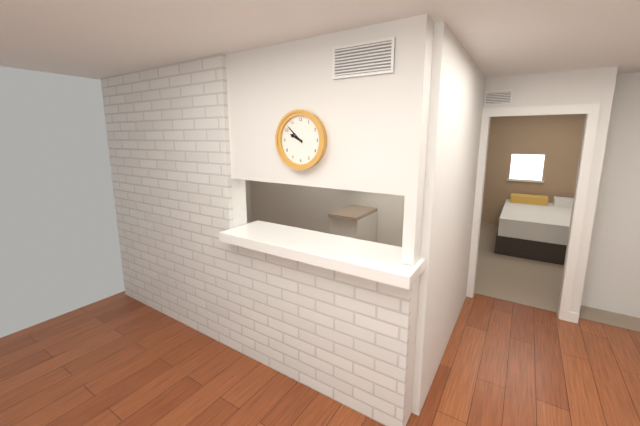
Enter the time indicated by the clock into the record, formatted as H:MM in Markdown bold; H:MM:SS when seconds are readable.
**9:52**
